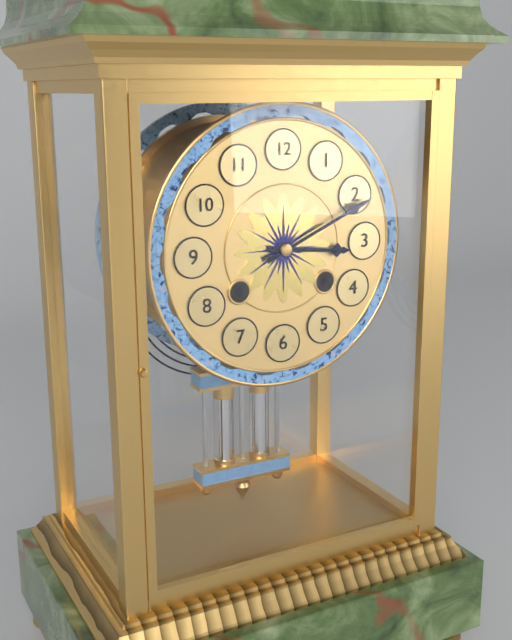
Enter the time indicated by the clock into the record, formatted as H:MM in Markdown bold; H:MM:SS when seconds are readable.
**3:11**
